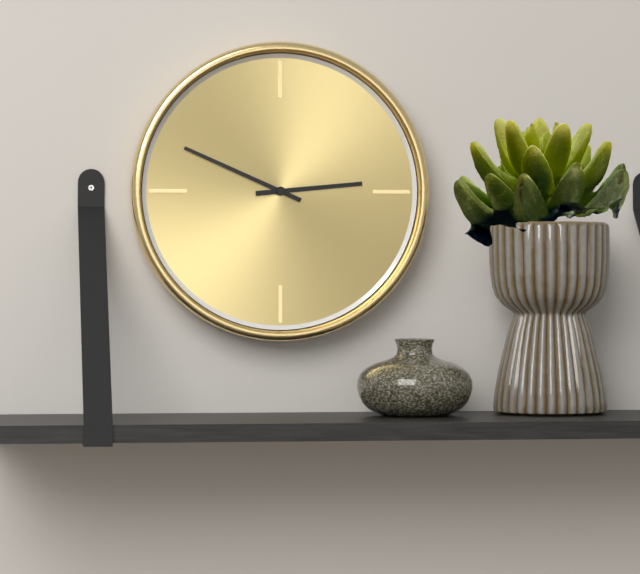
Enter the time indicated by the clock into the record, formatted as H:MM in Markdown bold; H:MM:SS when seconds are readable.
**2:49**
